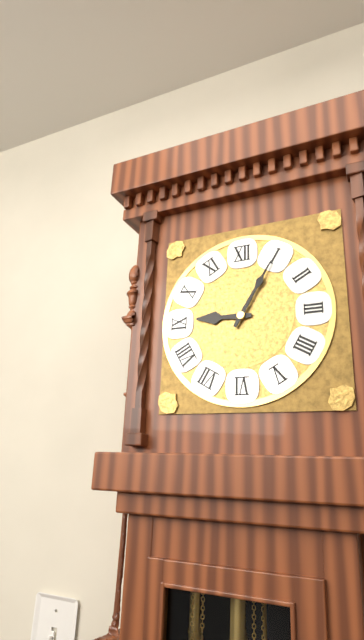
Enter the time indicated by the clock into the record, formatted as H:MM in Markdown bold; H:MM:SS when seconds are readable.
**9:05**
